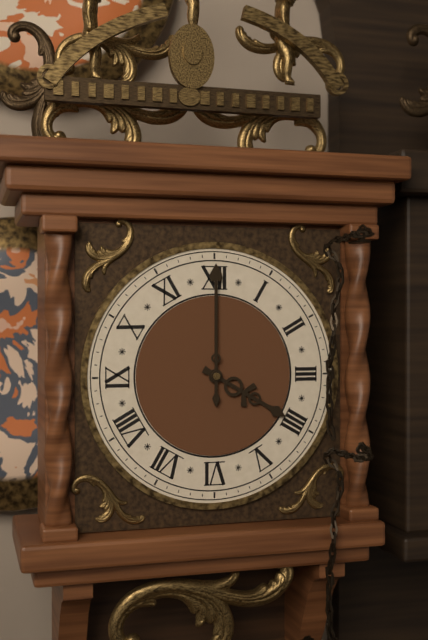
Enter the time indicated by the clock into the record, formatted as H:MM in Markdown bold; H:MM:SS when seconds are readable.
**4:00**
